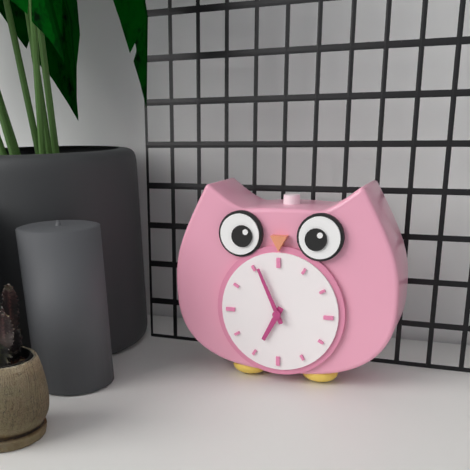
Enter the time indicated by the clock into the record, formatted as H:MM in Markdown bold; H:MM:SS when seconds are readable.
**6:56**
